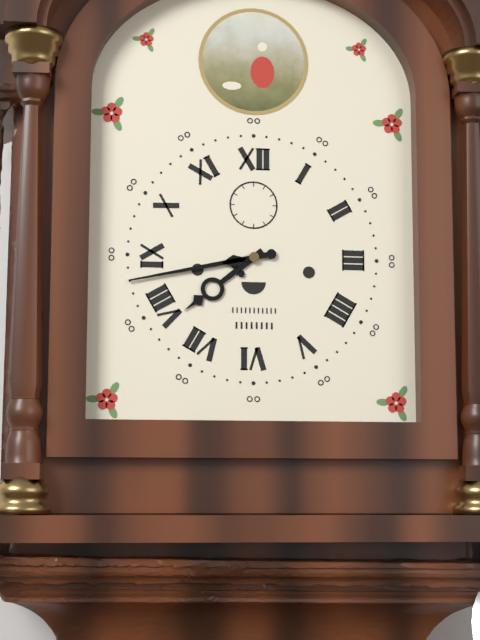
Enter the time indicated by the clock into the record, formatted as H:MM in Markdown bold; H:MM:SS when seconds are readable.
**7:43**
